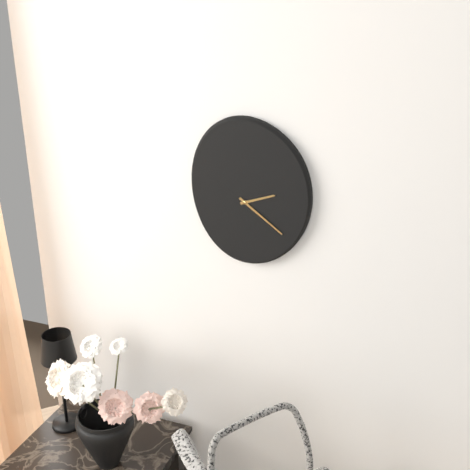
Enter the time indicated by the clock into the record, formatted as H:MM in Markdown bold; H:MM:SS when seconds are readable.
**2:21**
